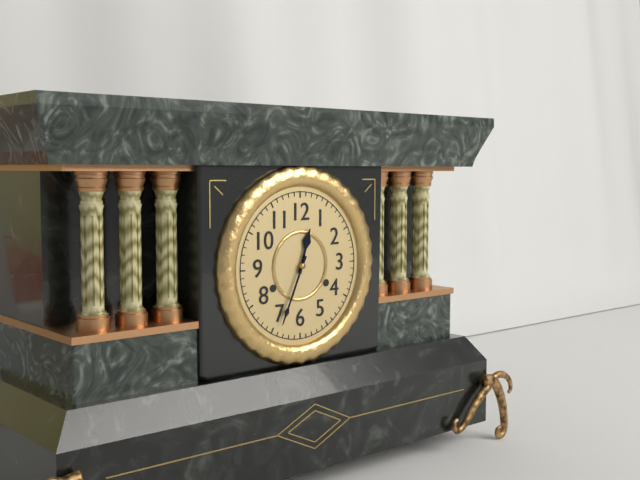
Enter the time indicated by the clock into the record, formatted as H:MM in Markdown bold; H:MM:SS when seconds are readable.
**12:34**
